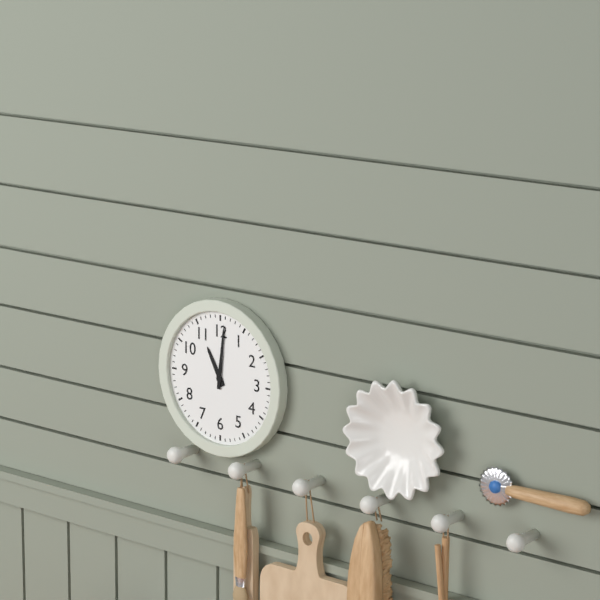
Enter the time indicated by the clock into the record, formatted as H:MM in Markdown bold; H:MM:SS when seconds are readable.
**11:01**
